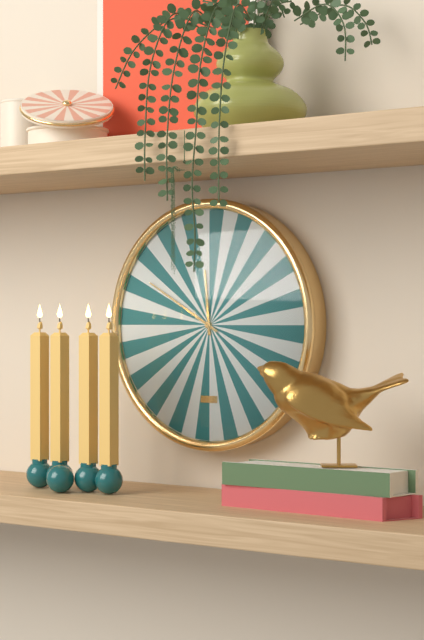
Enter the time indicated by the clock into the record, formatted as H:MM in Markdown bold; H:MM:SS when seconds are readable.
**11:50**
